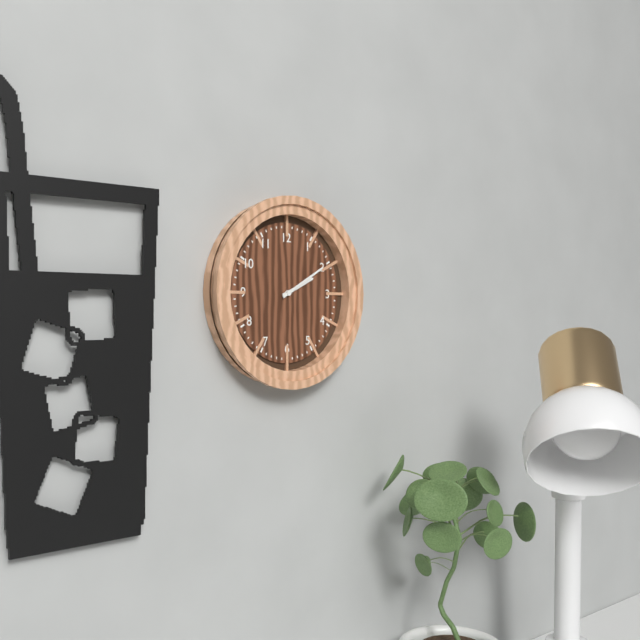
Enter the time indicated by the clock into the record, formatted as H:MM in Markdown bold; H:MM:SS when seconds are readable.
**2:10**
